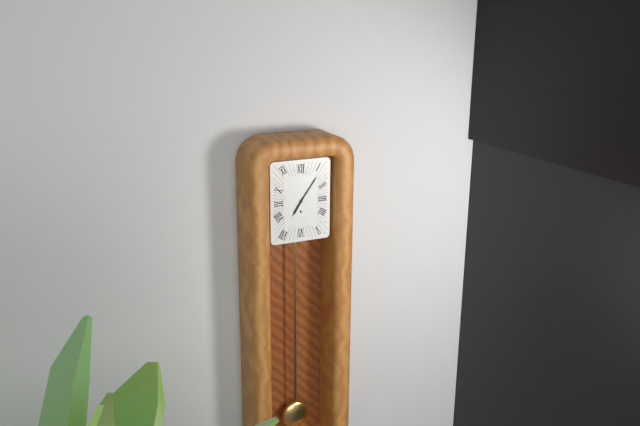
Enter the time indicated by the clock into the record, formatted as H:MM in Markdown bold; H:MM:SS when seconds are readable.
**7:06**
